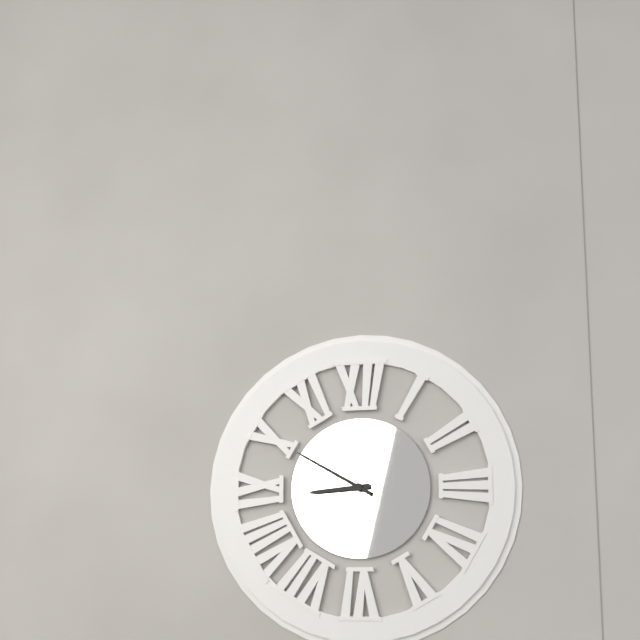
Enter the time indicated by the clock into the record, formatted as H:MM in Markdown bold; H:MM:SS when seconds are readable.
**8:50**
